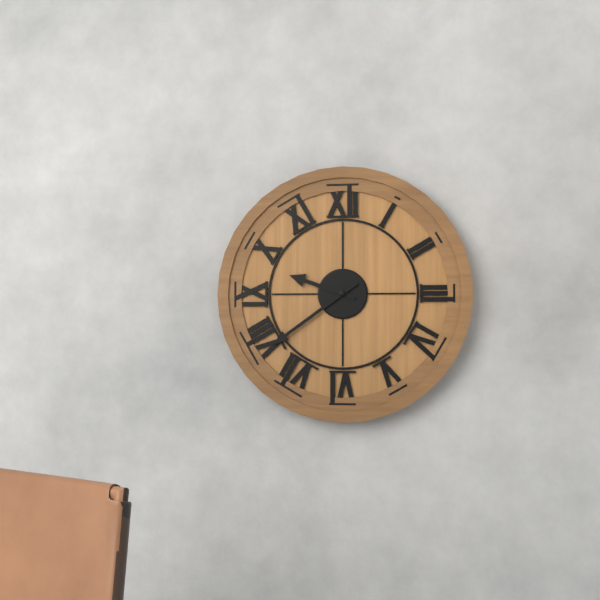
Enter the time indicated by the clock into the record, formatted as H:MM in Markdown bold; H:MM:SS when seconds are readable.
**9:39**
